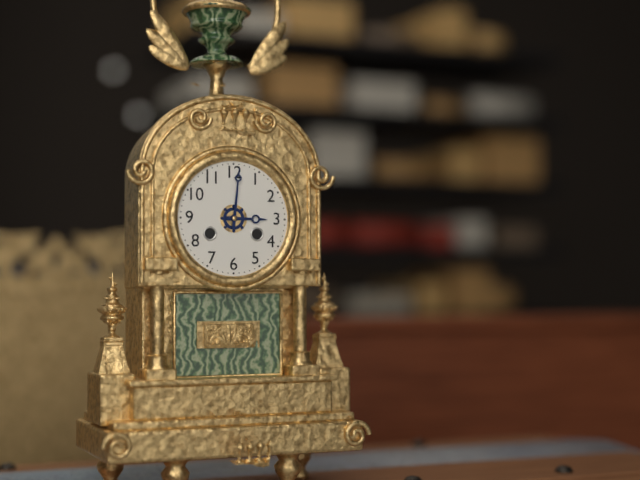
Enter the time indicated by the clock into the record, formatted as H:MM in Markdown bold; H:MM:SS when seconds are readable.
**3:01**
